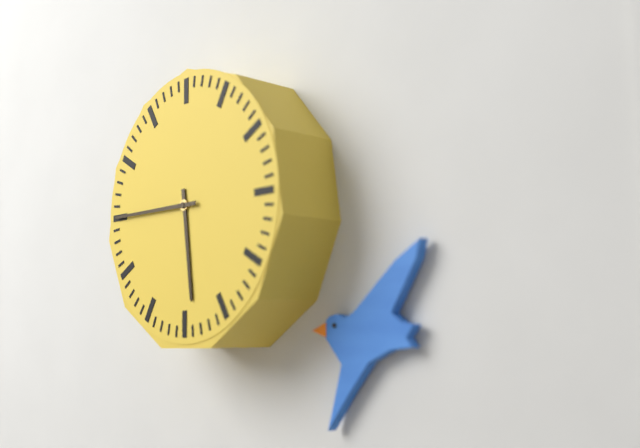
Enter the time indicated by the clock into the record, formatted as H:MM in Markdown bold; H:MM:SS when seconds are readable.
**5:45**
